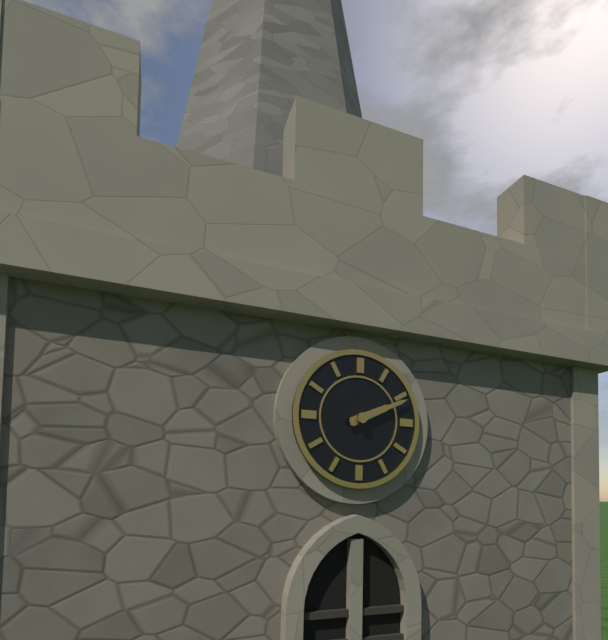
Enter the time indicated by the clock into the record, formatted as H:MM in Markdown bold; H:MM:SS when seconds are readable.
**2:11**
